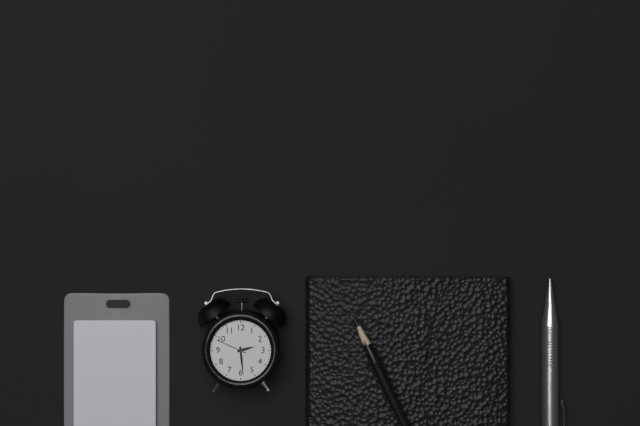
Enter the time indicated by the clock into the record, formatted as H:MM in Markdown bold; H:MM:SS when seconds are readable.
**2:29**
